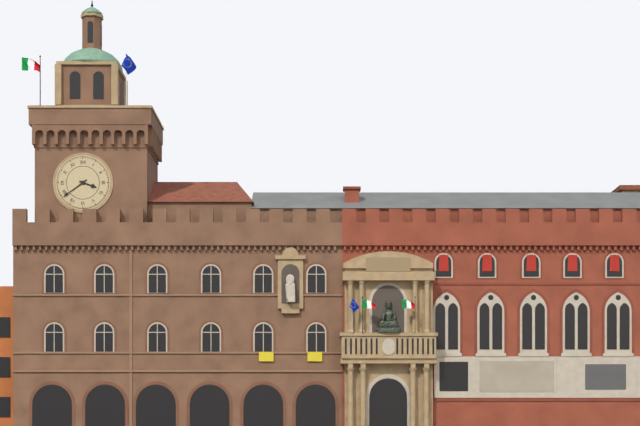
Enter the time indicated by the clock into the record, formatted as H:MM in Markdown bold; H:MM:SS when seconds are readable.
**3:39**
